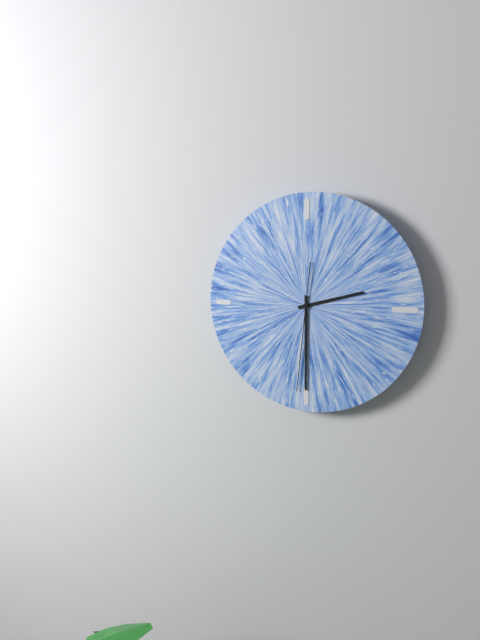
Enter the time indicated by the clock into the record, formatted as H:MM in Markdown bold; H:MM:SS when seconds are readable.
**2:30:31**
